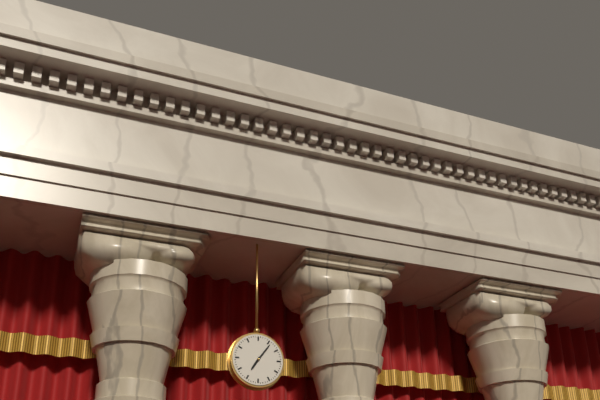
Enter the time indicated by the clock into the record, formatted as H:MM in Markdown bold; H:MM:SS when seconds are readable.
**7:06**
